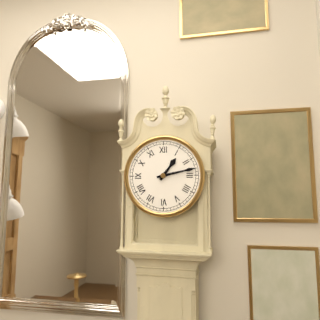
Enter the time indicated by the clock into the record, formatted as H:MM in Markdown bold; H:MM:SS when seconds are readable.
**1:13**
